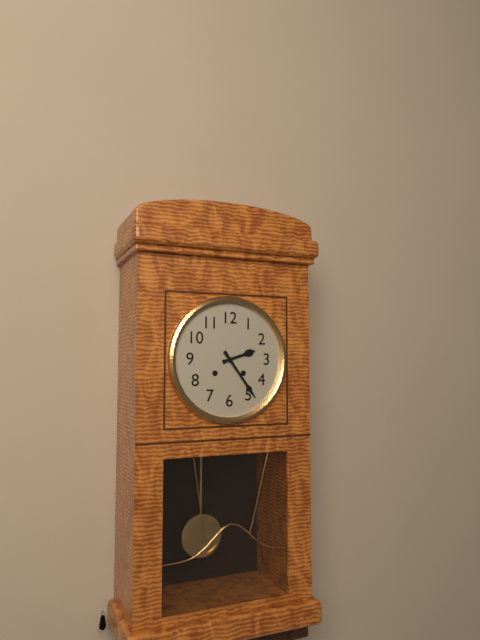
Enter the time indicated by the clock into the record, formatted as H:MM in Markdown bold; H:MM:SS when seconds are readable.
**2:24**
